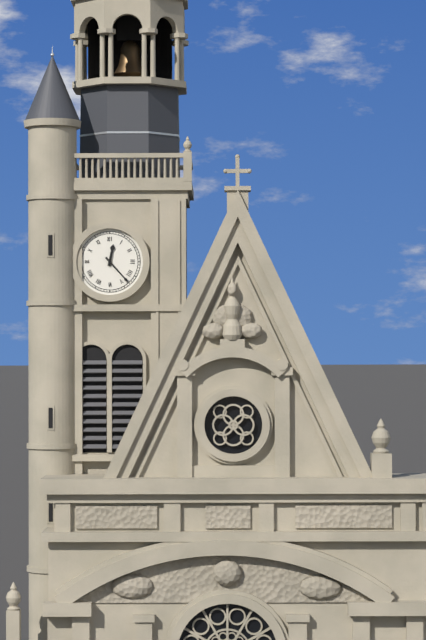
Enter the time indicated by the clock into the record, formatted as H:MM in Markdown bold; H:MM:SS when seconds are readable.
**12:23**
